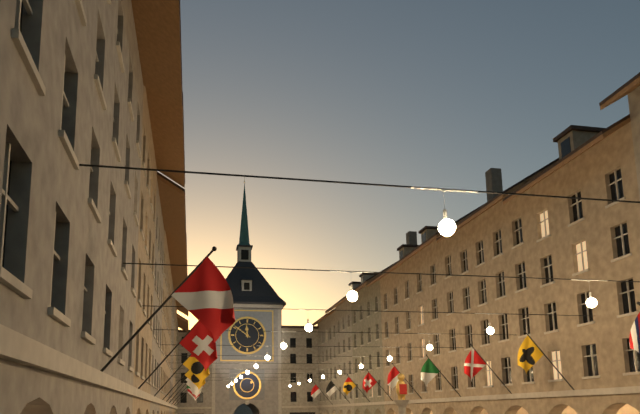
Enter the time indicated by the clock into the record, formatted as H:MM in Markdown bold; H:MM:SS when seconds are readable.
**11:51**
